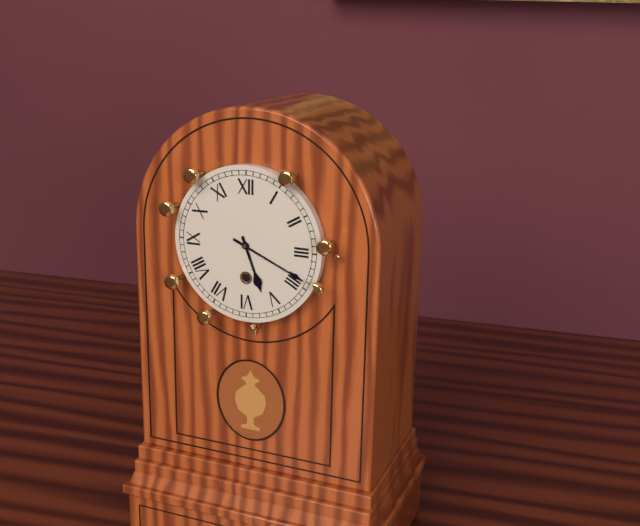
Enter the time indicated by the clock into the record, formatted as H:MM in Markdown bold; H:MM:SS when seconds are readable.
**5:19**
